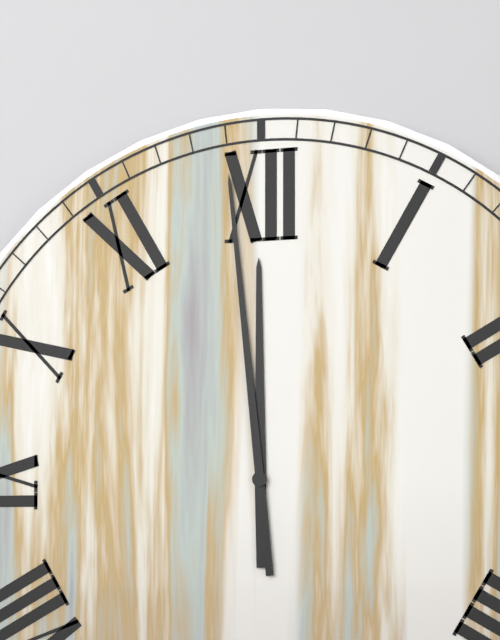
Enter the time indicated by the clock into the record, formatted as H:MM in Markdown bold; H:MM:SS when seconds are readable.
**11:59**
